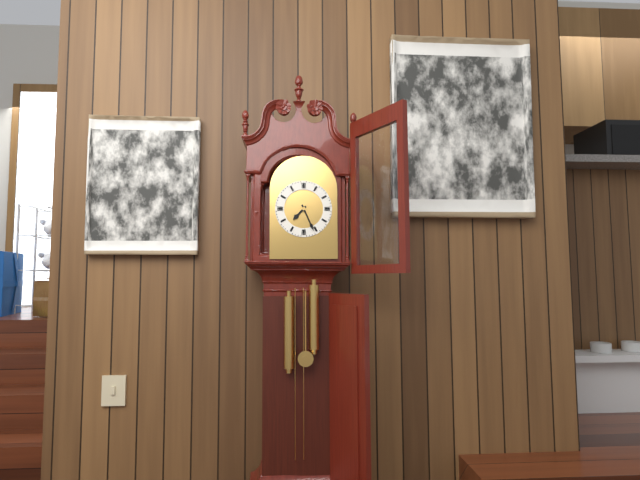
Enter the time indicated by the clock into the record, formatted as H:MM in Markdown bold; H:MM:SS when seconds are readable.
**7:26**
